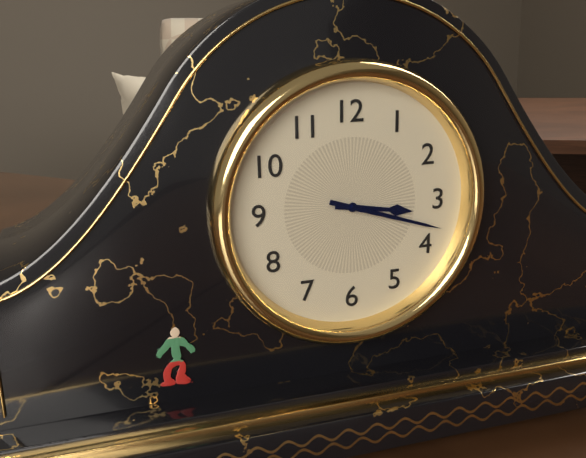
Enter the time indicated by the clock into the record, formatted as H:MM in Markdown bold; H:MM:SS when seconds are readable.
**3:18**
